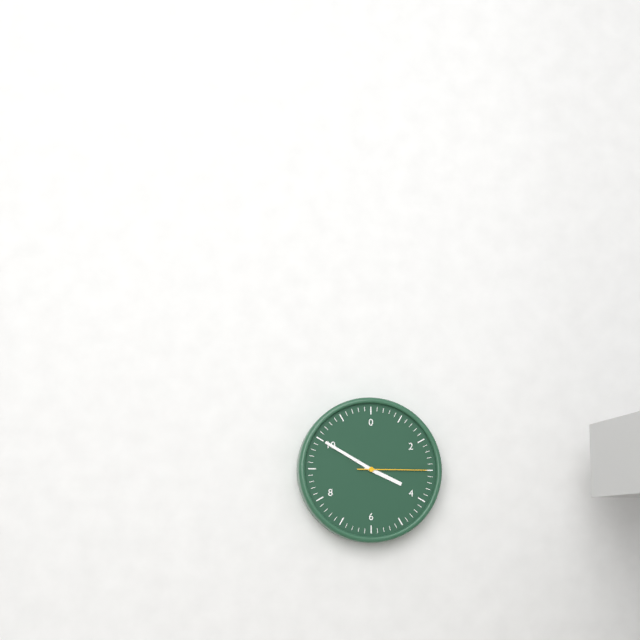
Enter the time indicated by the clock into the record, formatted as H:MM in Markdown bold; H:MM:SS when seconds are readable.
**3:50:15**
